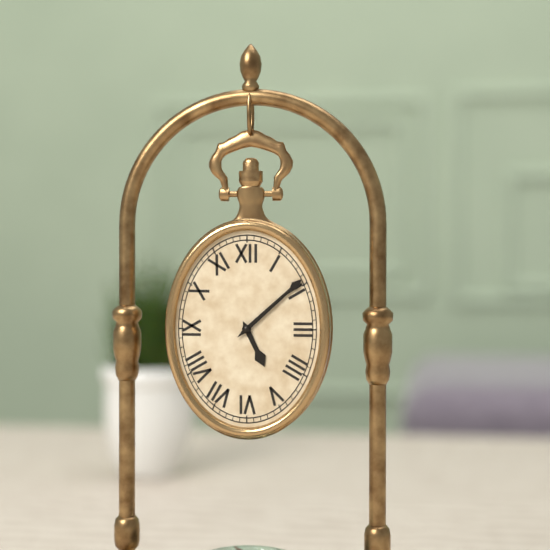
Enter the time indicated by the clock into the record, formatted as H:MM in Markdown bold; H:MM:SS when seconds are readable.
**5:08**
